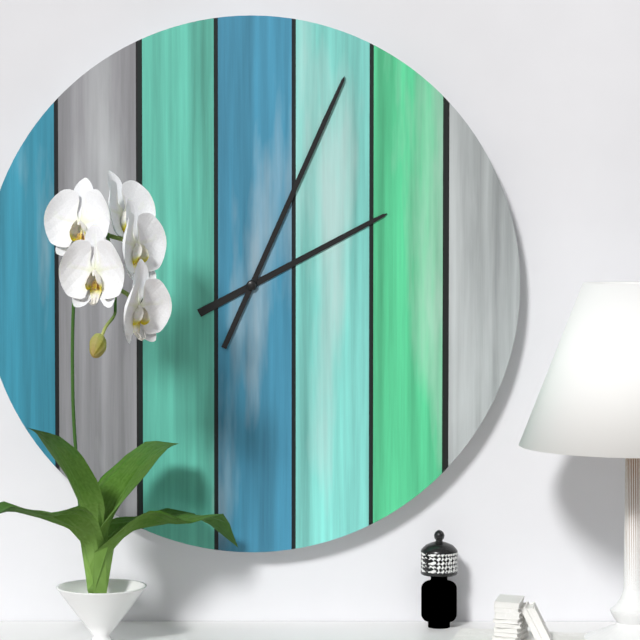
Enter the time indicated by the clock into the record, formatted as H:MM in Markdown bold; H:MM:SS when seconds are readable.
**2:04**
